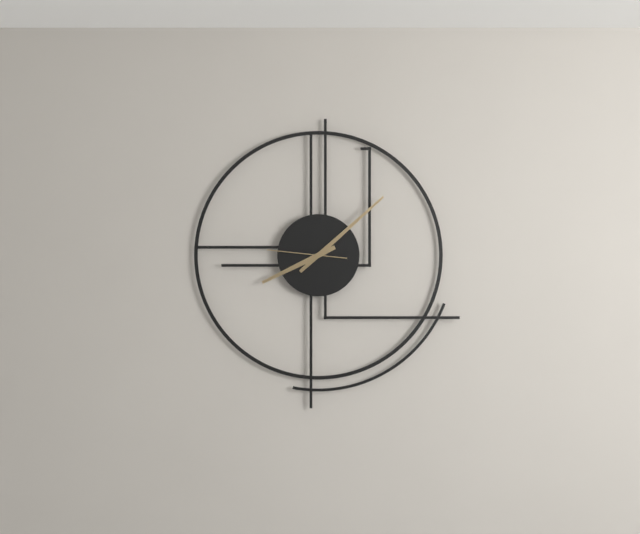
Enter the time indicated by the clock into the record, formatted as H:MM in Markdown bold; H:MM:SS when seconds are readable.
**8:08:46**
